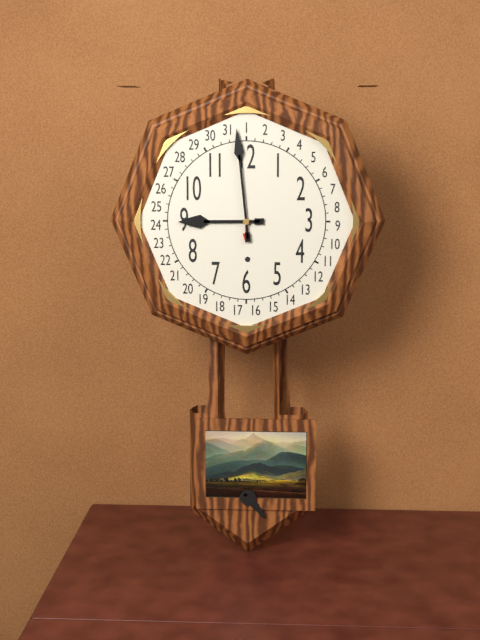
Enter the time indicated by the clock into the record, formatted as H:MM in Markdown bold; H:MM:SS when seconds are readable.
**8:59**
